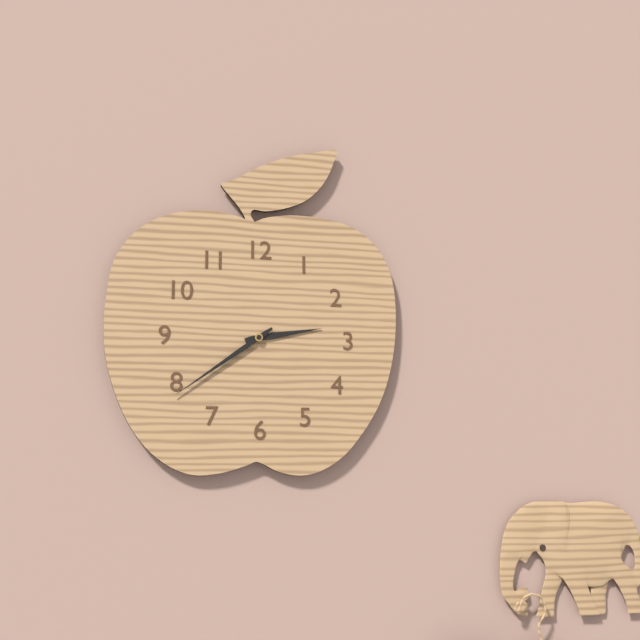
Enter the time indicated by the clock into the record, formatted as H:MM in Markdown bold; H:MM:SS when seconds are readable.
**2:39**
